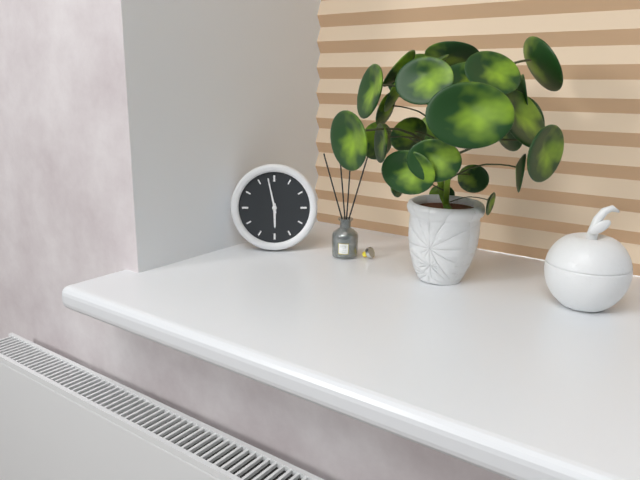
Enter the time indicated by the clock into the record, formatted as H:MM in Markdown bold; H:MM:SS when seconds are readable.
**5:58**
